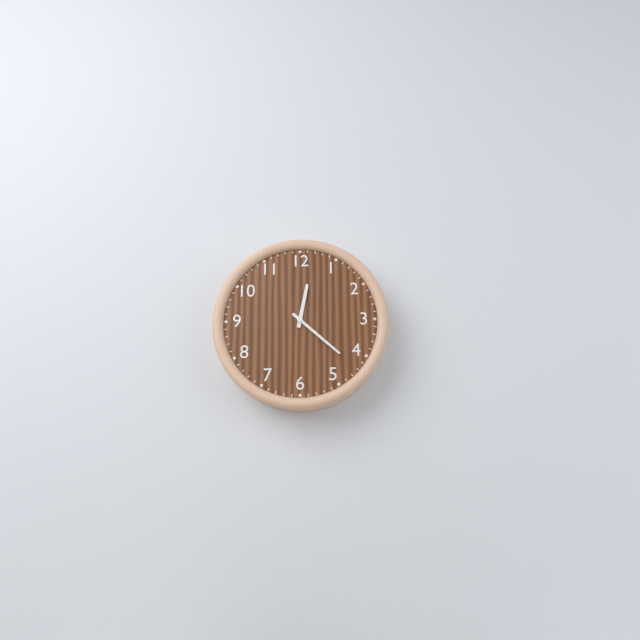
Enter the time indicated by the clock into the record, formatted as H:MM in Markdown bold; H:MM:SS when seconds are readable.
**12:22**
